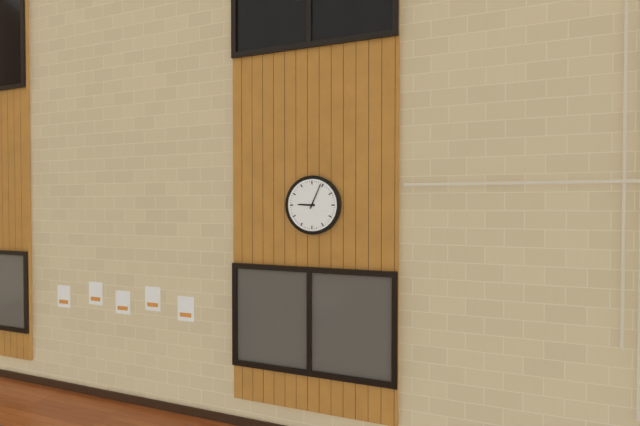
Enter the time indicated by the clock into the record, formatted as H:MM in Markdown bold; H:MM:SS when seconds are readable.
**9:04**
